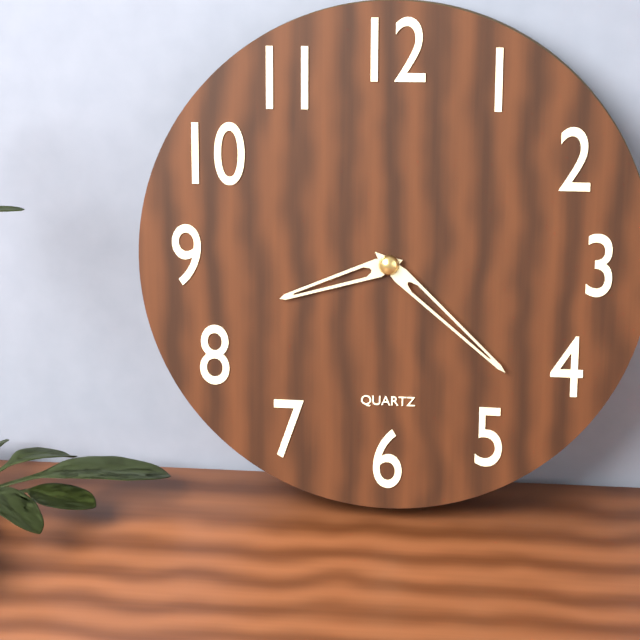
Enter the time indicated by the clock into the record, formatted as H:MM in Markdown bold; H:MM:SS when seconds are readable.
**8:22**
